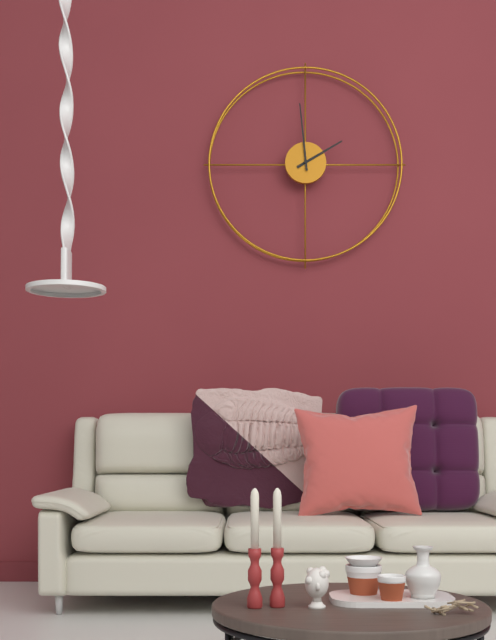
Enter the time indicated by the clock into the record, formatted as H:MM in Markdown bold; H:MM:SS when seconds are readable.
**1:59**
